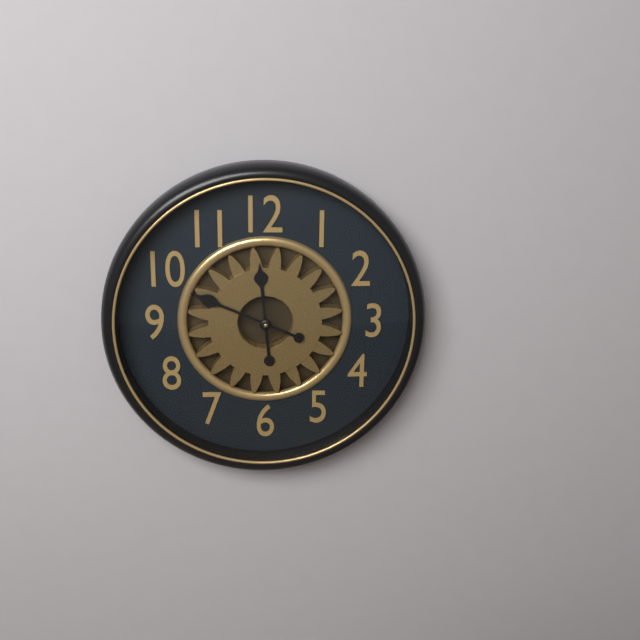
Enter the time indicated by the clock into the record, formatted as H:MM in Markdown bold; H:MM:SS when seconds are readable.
**11:49**
